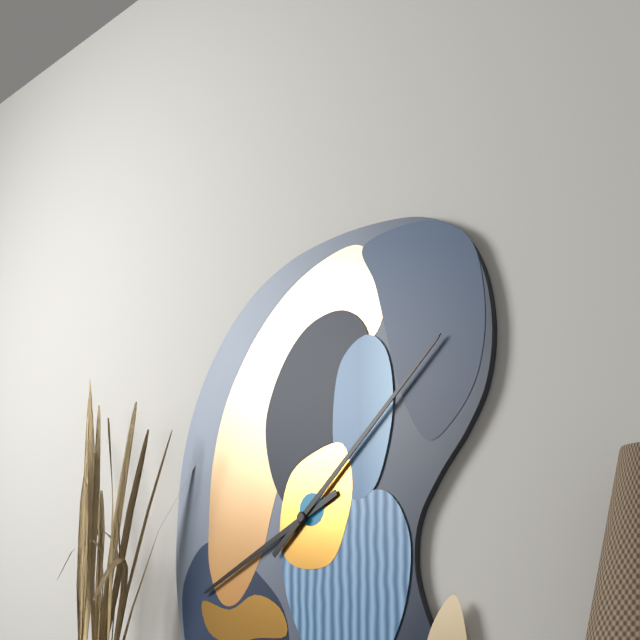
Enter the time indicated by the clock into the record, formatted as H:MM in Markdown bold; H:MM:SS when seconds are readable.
**8:08**
